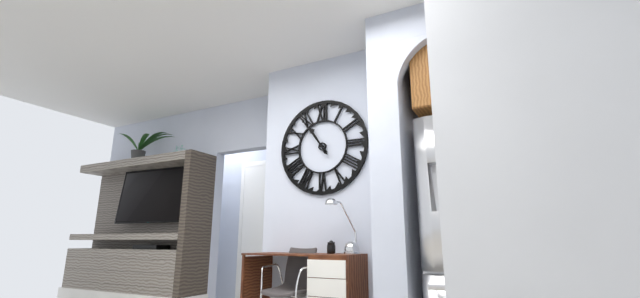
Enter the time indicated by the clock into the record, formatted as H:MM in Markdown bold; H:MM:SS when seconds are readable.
**10:54**
